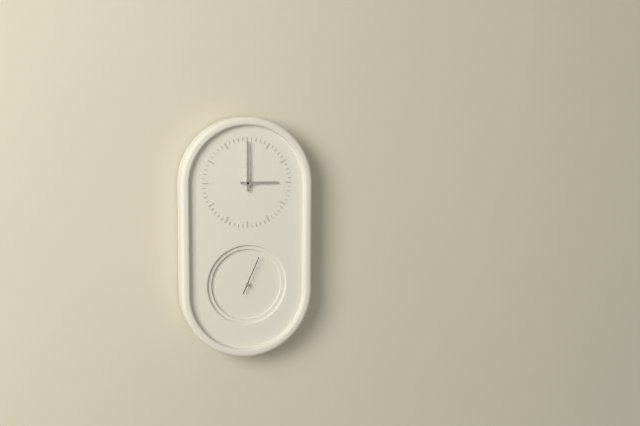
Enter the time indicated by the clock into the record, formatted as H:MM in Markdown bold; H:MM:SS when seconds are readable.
**3:00**
